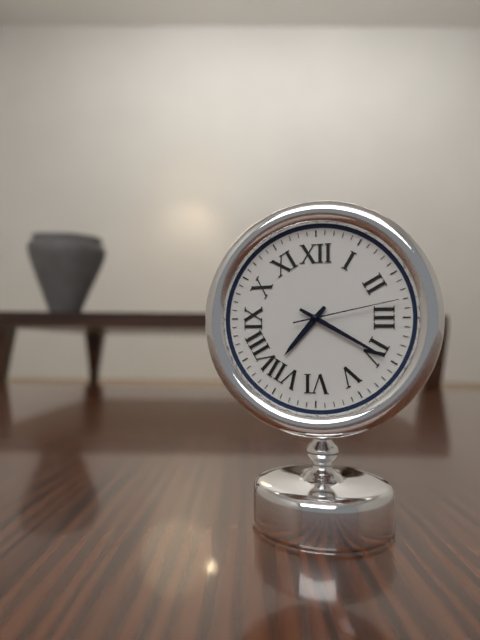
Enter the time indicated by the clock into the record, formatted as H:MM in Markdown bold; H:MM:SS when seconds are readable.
**7:20:13**
